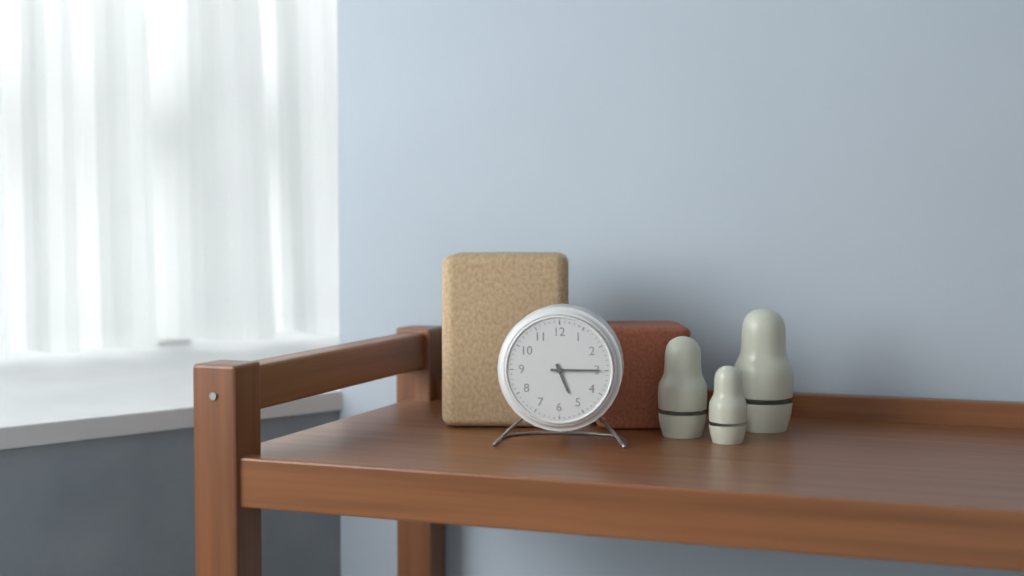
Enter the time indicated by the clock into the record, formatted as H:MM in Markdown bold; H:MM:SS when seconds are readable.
**5:15**
